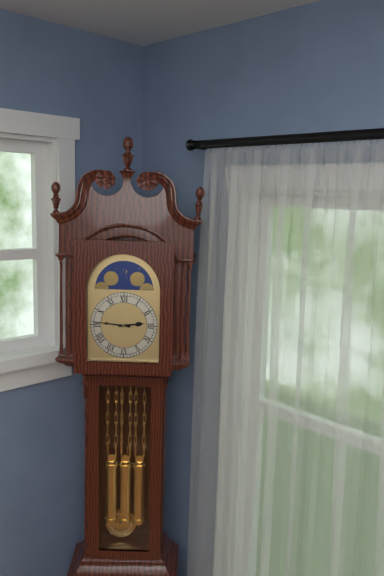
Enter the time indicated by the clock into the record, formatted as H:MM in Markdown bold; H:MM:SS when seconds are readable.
**2:46**
